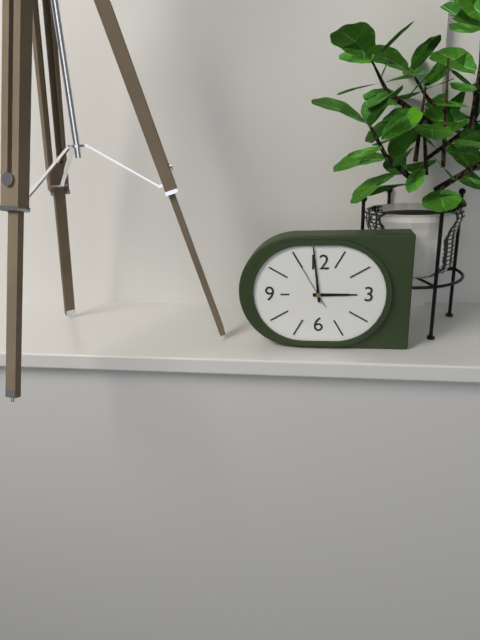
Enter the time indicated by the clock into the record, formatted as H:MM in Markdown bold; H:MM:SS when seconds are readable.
**2:59:55**
